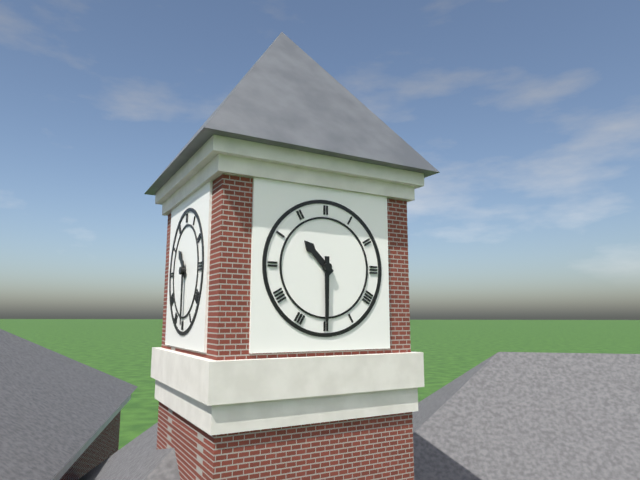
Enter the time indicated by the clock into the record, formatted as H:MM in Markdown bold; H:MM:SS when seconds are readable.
**10:30**
